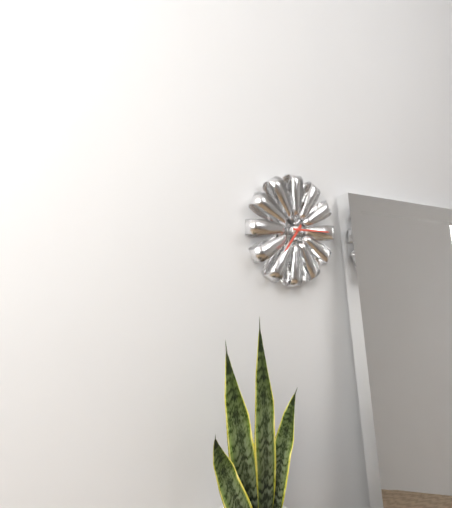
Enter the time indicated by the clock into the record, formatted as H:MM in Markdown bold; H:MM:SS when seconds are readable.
**7:15**
